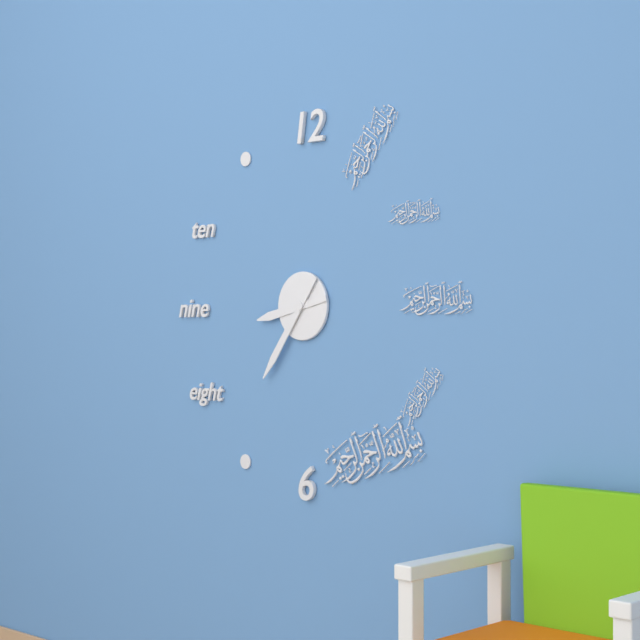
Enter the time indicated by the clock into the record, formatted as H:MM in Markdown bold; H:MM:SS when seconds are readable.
**8:36**
